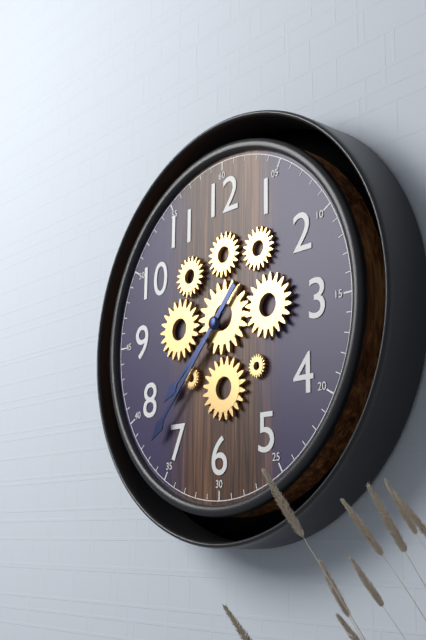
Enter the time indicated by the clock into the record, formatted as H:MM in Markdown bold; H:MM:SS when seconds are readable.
**7:37**
